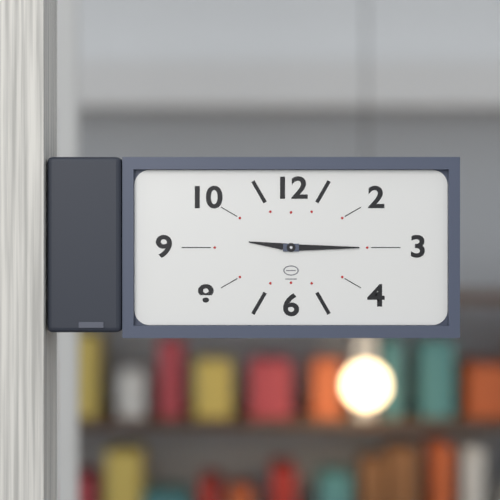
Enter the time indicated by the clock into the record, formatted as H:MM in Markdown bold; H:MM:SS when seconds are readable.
**9:15**
